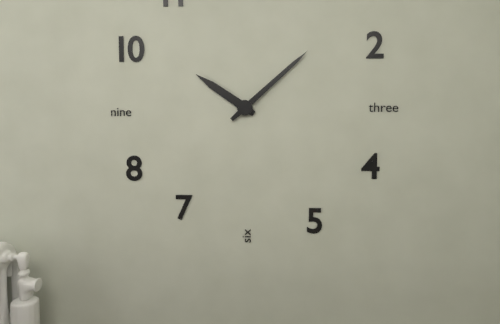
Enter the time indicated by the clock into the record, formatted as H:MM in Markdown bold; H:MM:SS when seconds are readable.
**10:08**
